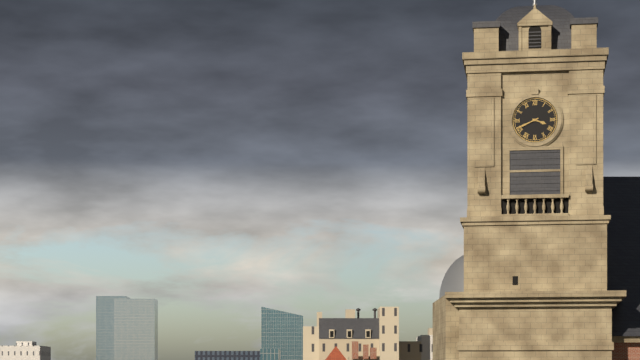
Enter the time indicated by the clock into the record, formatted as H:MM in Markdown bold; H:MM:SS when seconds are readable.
**3:41**
